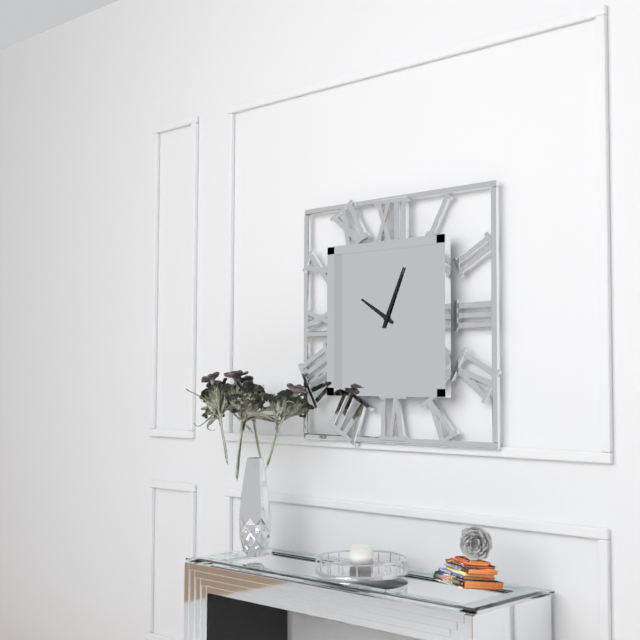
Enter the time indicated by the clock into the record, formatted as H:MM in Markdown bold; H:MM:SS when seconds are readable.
**10:04**
